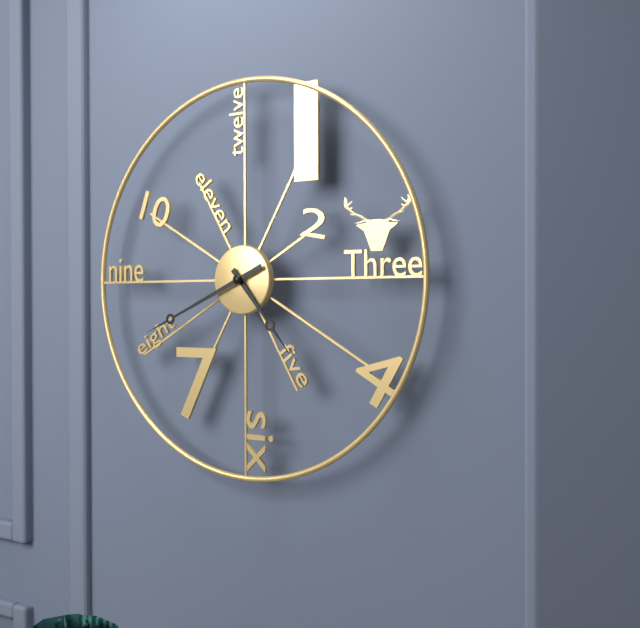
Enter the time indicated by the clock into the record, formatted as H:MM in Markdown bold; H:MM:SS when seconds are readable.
**4:41**
